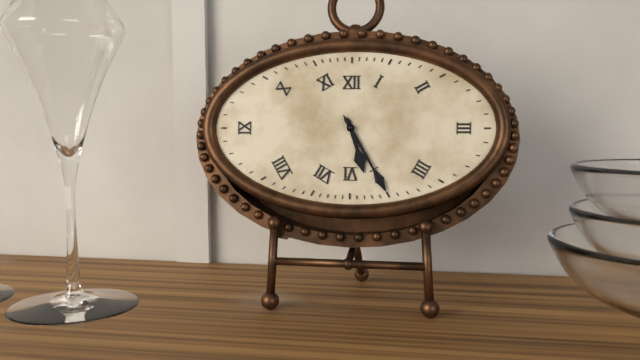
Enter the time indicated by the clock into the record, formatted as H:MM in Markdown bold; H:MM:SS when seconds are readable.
**5:25**
